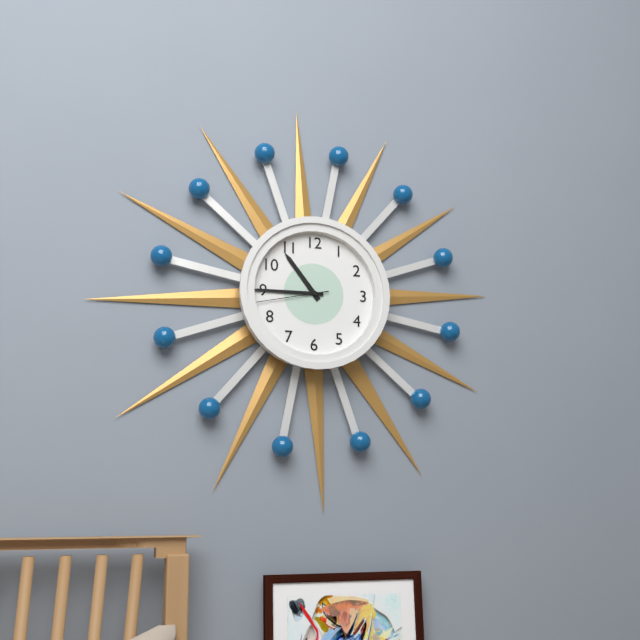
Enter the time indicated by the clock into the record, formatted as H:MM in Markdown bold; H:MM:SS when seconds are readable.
**10:45:43**
